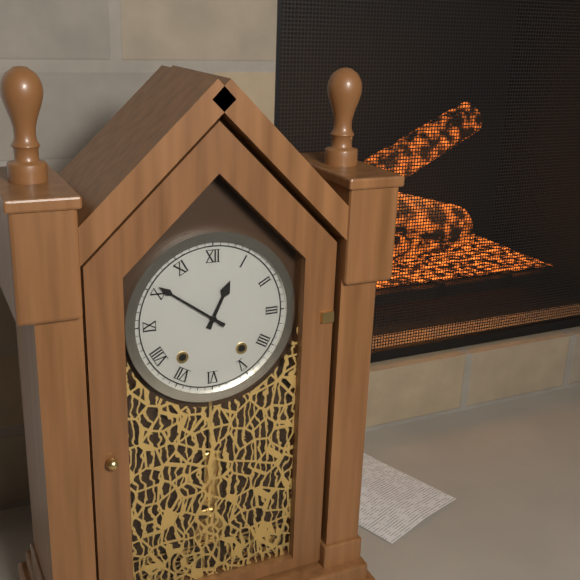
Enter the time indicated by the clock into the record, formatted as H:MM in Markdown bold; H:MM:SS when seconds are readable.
**12:51**
